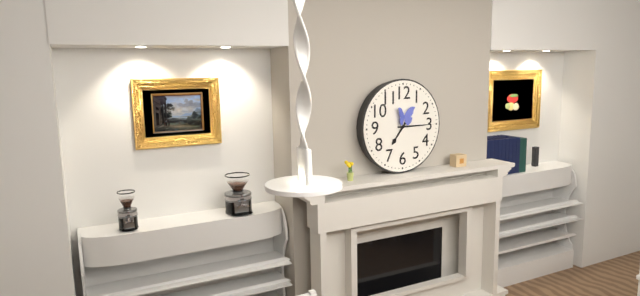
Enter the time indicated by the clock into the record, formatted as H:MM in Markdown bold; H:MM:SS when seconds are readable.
**7:15**
